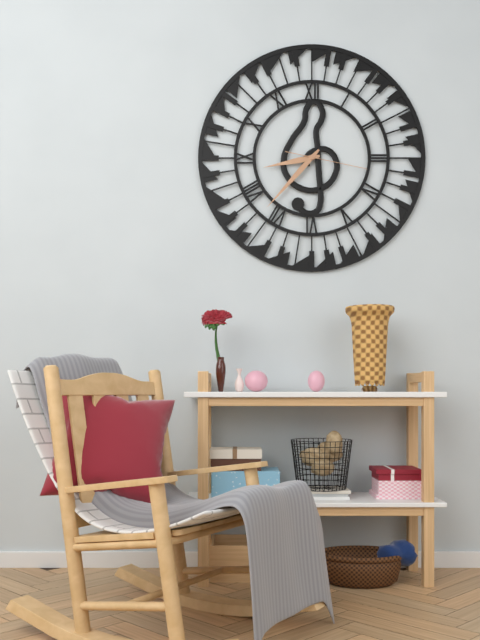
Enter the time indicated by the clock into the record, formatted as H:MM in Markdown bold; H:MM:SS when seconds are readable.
**8:37:17**
